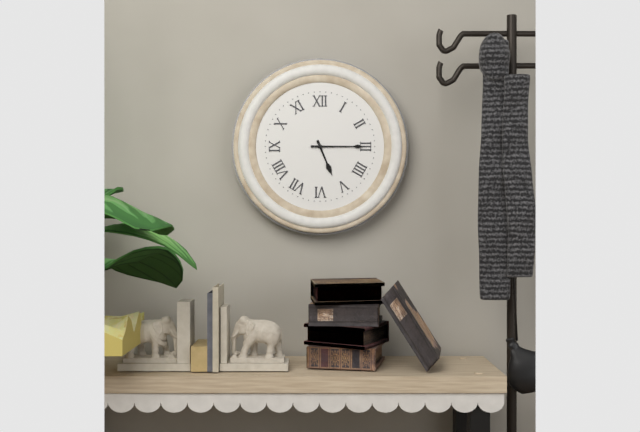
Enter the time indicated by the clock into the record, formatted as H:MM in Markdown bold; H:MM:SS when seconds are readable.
**5:15**
